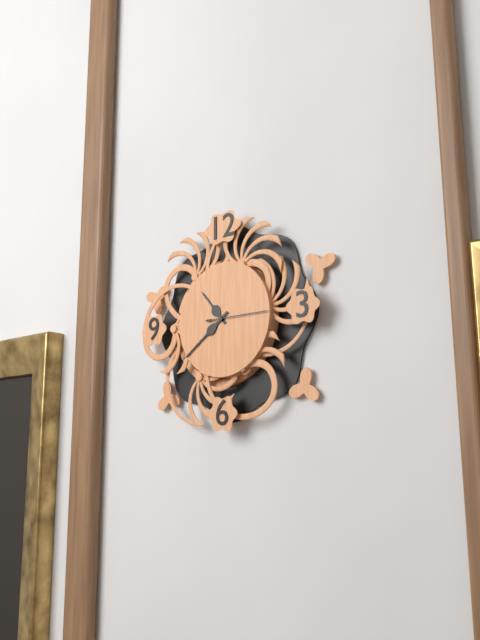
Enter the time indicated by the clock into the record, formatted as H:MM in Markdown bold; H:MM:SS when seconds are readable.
**10:39:15**
